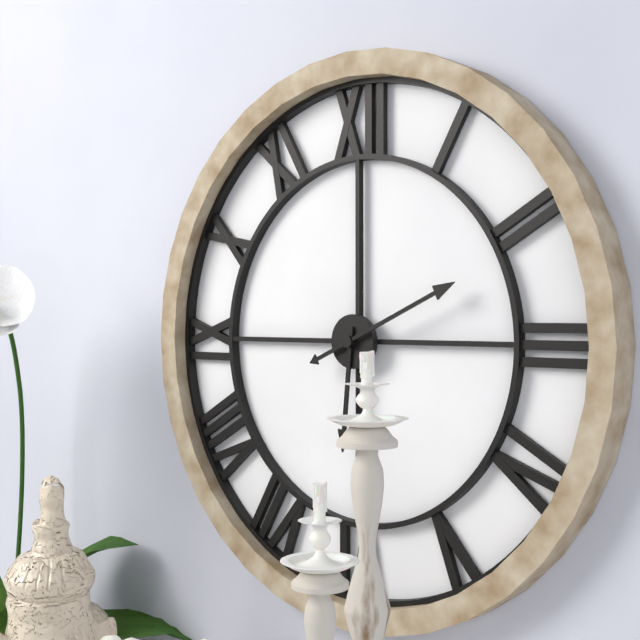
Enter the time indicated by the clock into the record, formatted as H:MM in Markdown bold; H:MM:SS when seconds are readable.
**6:11**
